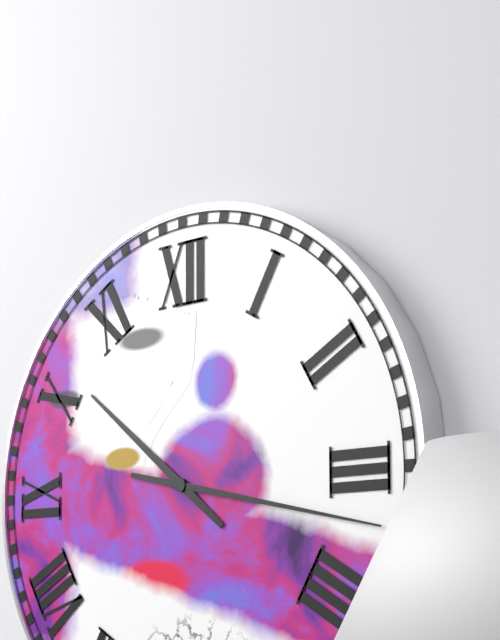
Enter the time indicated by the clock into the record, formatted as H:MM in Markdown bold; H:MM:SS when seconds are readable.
**10:17**
